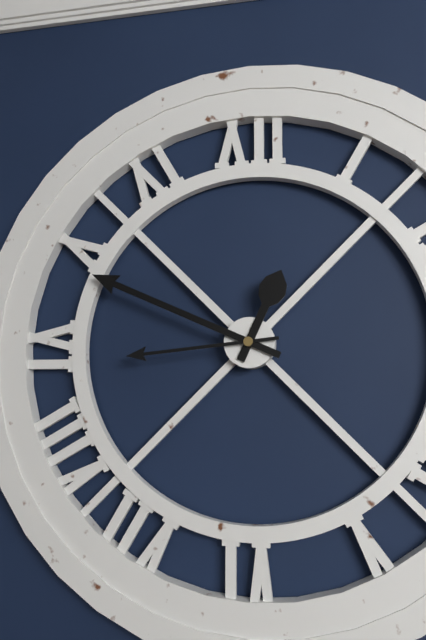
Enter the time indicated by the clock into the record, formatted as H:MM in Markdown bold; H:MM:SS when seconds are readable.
**12:49:44**
